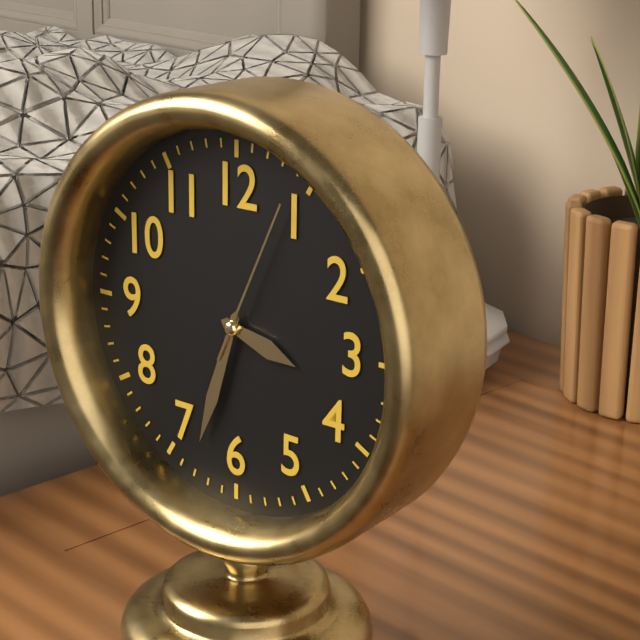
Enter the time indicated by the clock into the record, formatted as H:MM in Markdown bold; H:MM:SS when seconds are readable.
**3:33:04**
